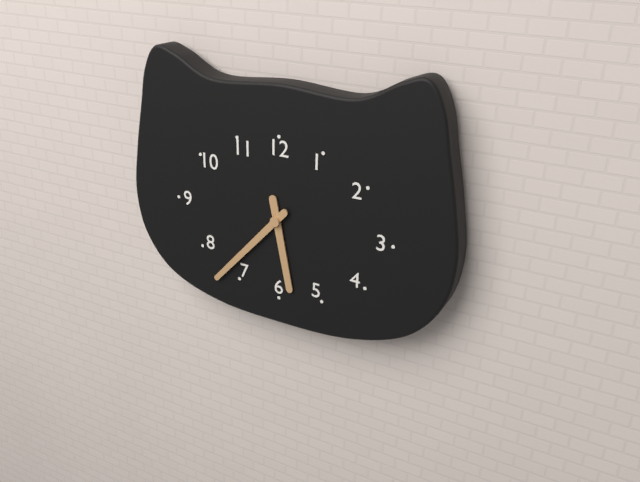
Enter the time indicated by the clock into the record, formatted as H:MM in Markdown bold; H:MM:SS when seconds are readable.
**5:37**
